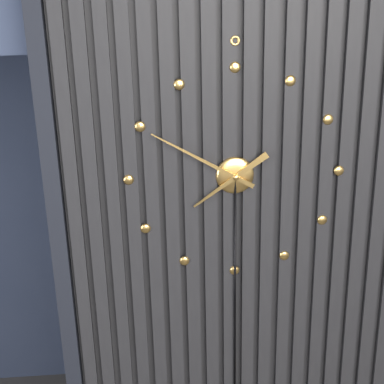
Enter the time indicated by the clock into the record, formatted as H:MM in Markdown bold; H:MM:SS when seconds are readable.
**7:50**
